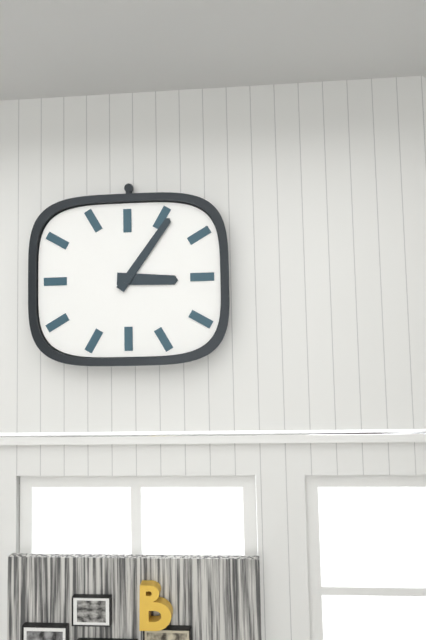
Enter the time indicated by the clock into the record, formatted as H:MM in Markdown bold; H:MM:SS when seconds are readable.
**3:06**
